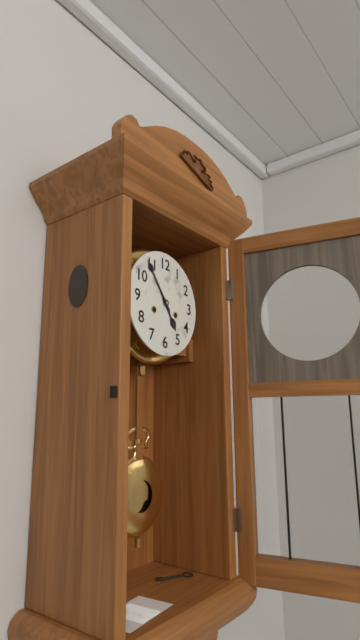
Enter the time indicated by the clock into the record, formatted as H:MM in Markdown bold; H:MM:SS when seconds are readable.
**4:54**
